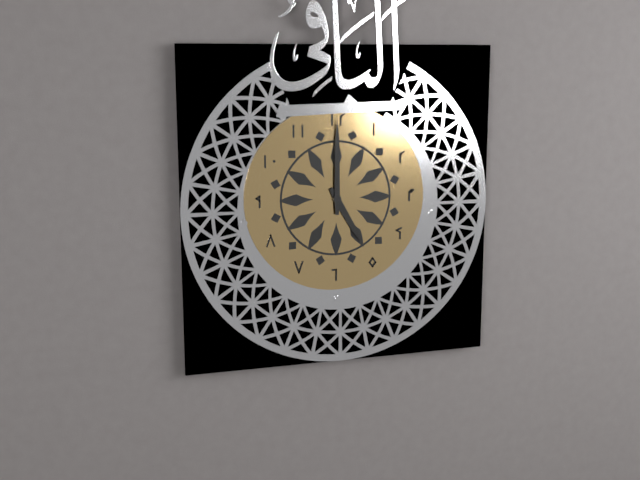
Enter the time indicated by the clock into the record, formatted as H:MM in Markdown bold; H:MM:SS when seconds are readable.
**5:00**
